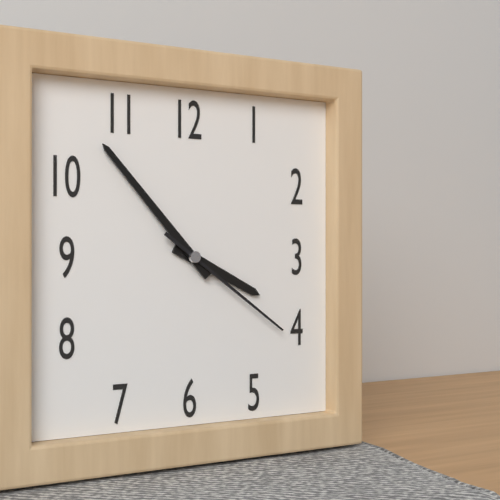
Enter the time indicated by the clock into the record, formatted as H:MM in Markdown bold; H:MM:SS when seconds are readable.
**3:53:21**
